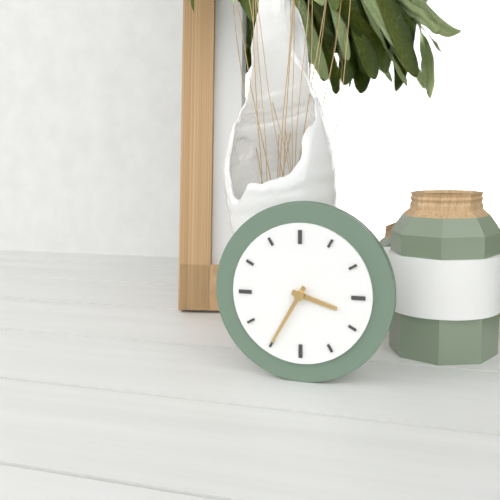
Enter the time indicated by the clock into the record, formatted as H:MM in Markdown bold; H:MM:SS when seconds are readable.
**3:35**
